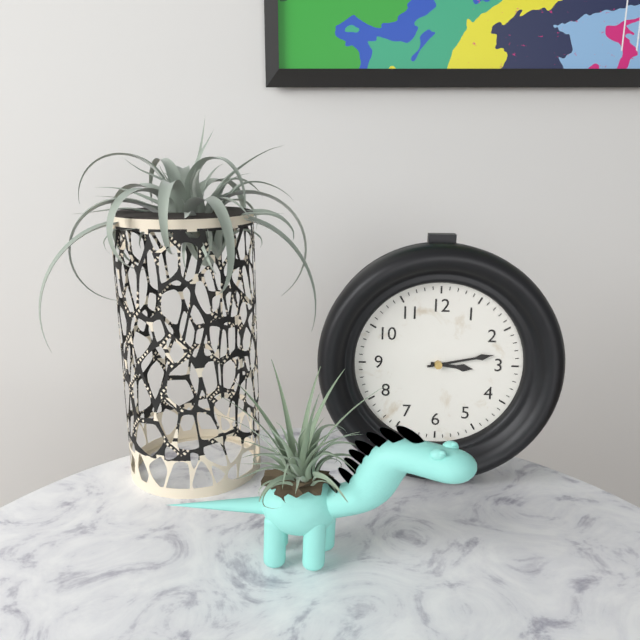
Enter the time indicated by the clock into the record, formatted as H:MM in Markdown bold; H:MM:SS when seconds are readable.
**3:13**
